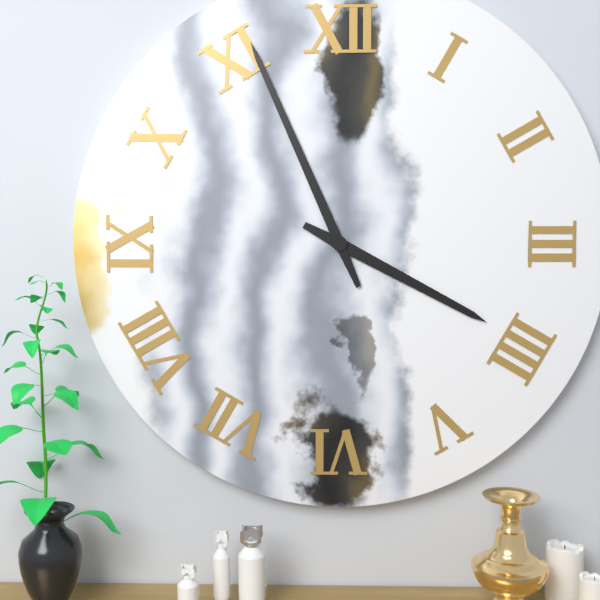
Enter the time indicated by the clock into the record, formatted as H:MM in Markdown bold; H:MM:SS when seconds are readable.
**3:56**
